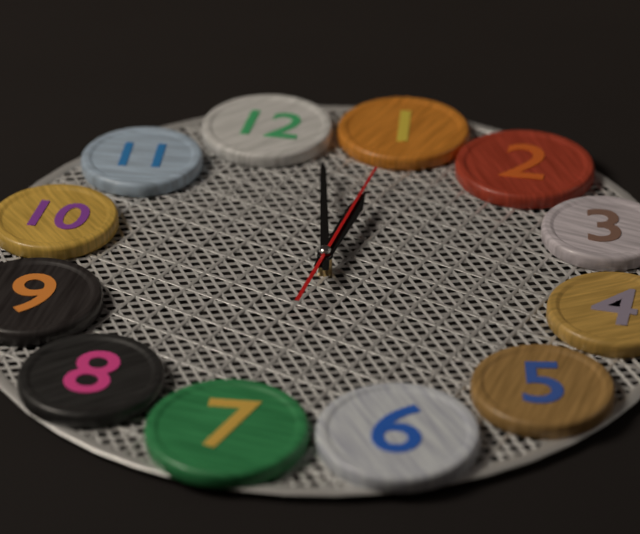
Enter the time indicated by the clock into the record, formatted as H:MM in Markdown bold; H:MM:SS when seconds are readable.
**1:02:05**
